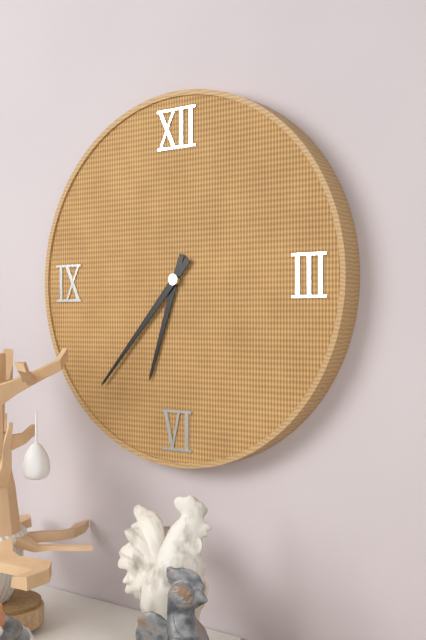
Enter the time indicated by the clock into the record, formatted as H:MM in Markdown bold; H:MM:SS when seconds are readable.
**6:37**
